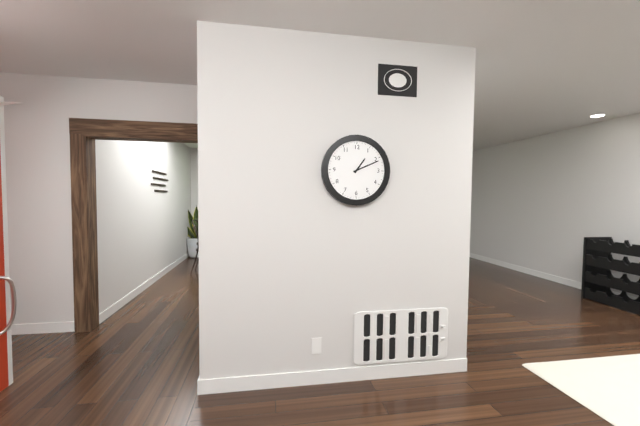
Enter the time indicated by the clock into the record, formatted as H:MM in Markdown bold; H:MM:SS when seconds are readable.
**1:11**
